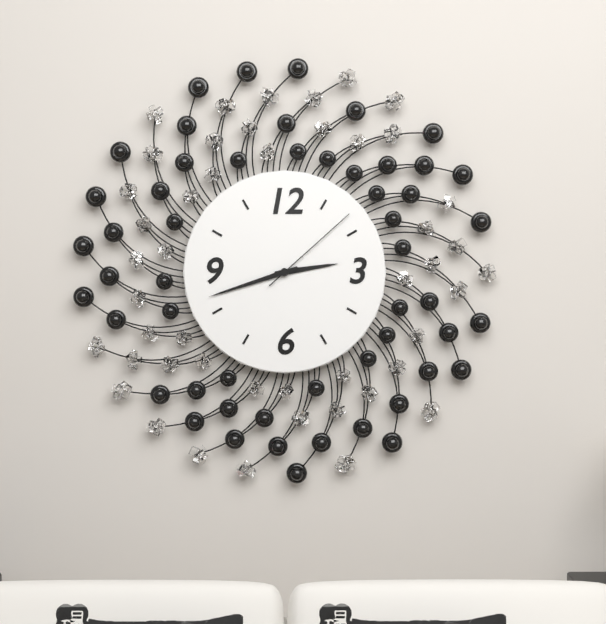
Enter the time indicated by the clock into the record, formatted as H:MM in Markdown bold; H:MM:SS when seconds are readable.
**2:42:08**
